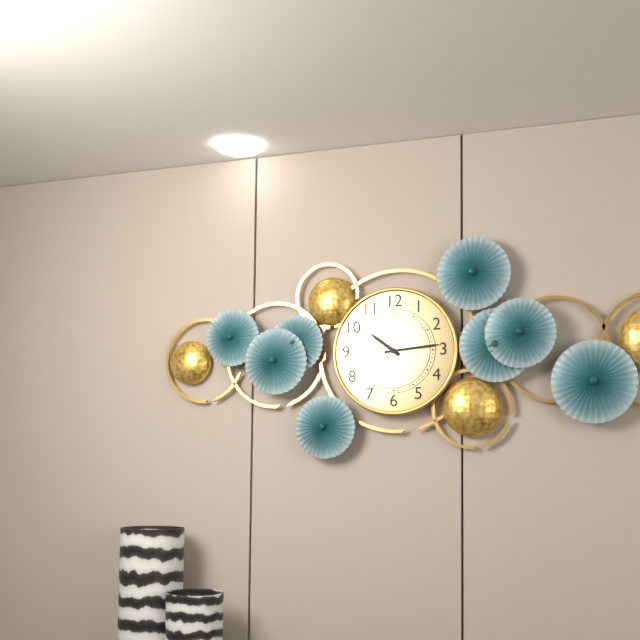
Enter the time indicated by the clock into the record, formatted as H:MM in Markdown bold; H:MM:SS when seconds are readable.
**10:14**
